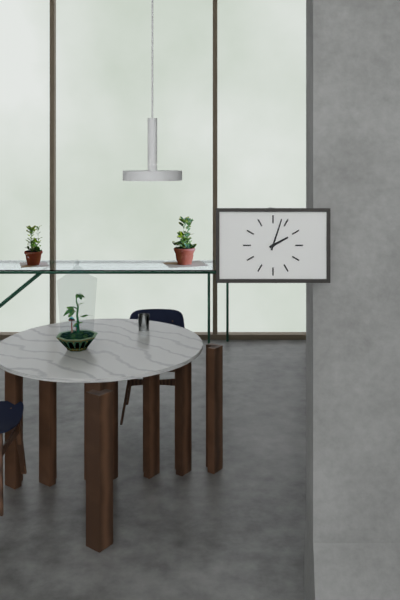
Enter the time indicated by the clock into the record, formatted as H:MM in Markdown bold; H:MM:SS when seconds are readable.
**2:03**
